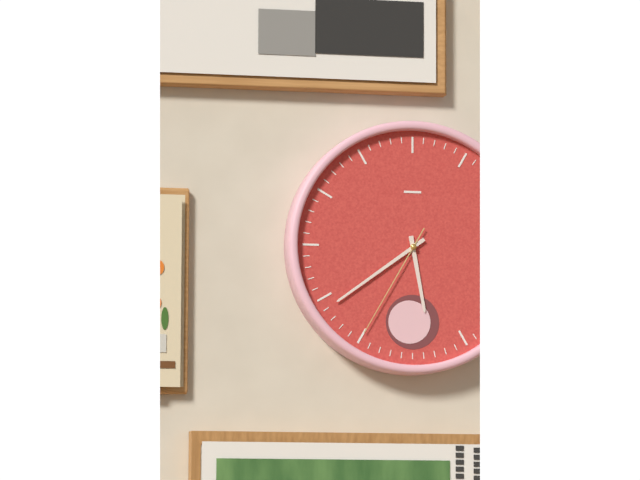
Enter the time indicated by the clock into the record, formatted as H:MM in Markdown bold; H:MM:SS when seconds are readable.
**5:39:35**
